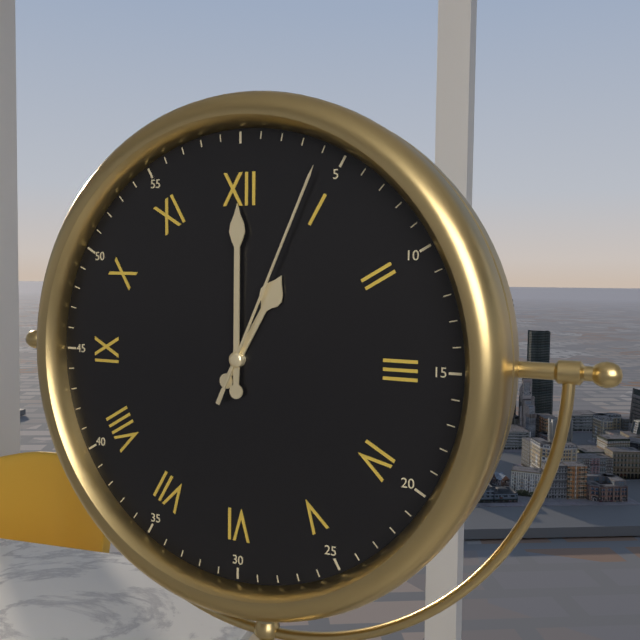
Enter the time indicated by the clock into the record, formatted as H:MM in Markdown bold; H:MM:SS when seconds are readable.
**1:00:04**
